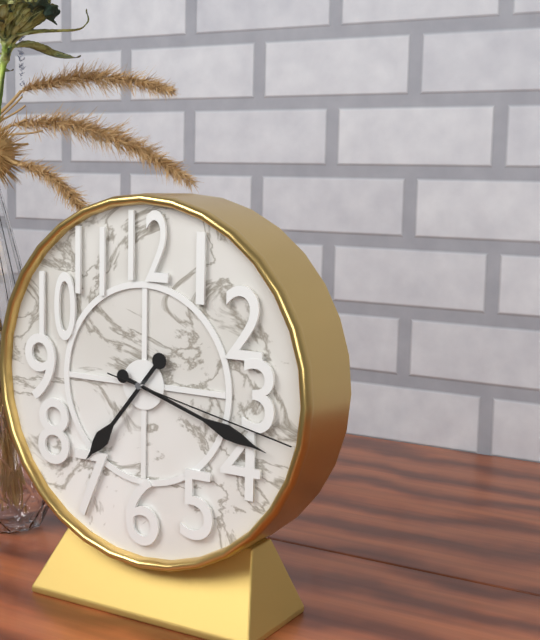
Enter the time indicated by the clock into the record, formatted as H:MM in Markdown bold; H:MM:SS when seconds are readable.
**7:18:17**
